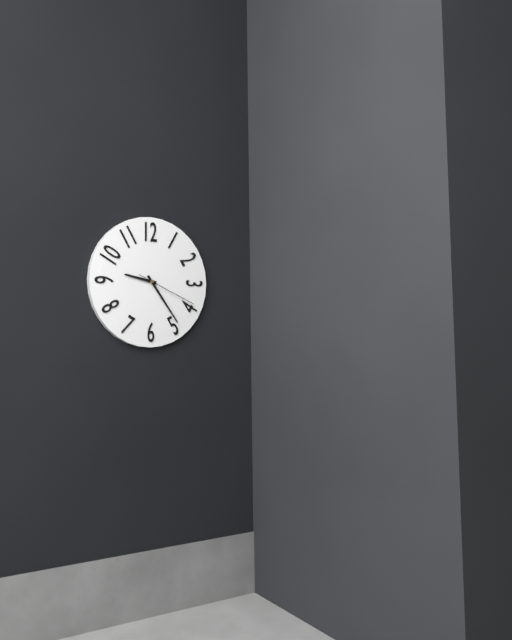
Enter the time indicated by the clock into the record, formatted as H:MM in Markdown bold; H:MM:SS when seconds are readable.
**9:24:19**
